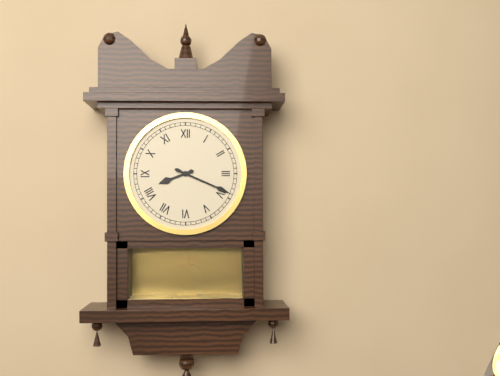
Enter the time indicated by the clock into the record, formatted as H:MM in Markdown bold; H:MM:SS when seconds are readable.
**8:19**
